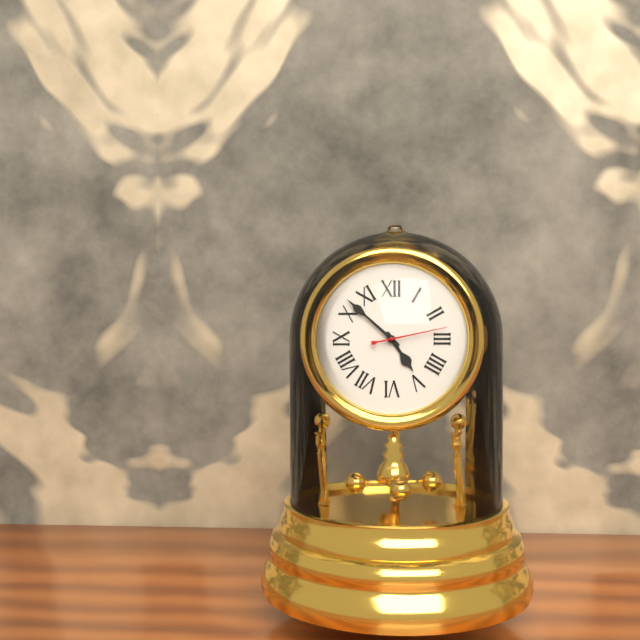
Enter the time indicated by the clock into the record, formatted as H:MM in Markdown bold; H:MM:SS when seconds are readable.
**4:52:13**
